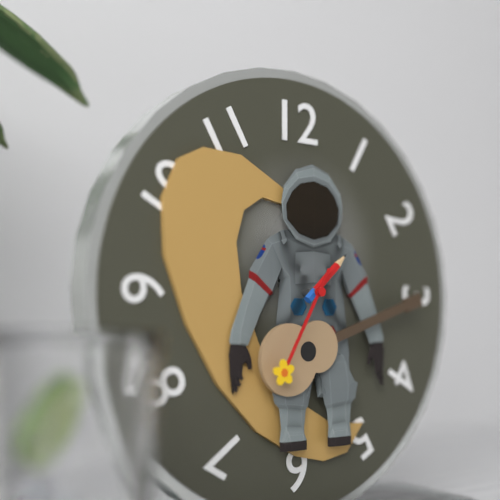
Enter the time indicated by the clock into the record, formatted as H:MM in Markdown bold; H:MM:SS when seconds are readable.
**1:35**
